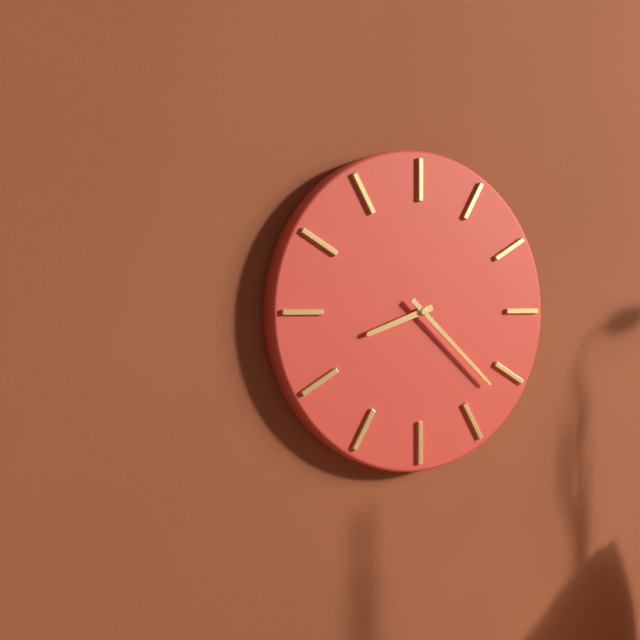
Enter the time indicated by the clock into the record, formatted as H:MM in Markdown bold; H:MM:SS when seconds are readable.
**8:22**
